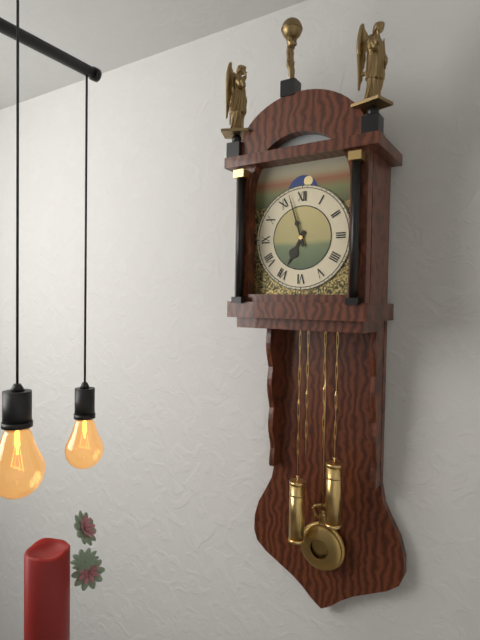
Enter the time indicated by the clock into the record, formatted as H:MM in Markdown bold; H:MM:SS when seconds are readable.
**6:57**
